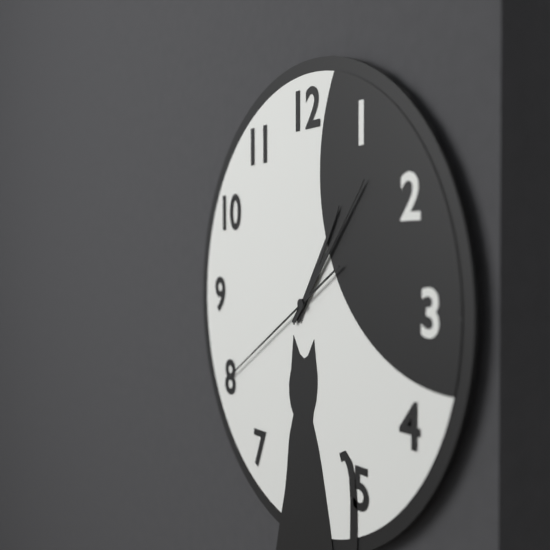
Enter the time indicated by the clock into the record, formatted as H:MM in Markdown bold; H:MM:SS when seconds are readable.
**1:07:40**
